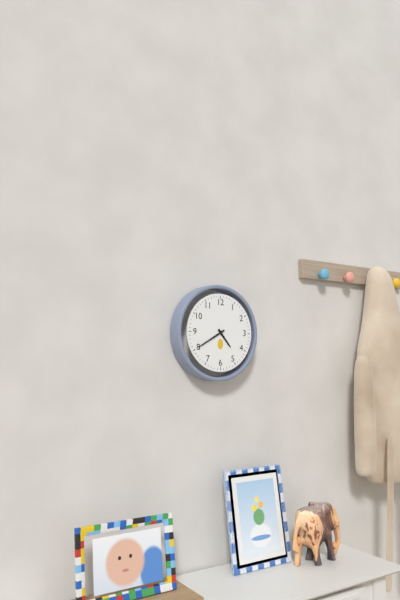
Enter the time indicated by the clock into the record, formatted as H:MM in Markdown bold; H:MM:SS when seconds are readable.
**4:40**
